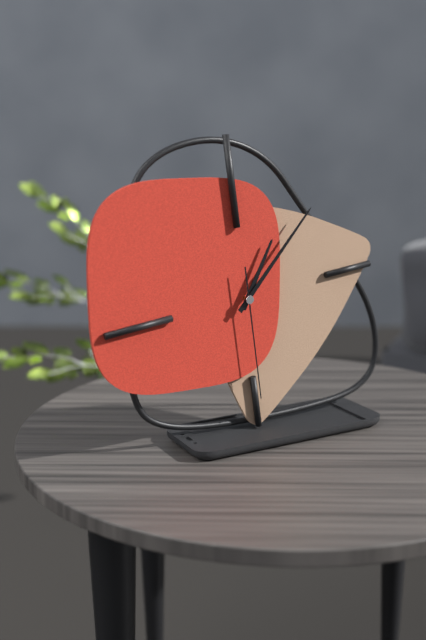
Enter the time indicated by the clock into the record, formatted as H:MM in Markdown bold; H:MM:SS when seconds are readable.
**1:08:30**
